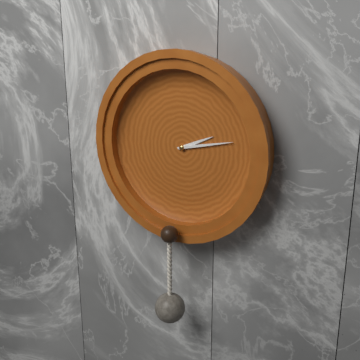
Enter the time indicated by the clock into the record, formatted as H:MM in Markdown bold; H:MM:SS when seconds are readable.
**2:13**
